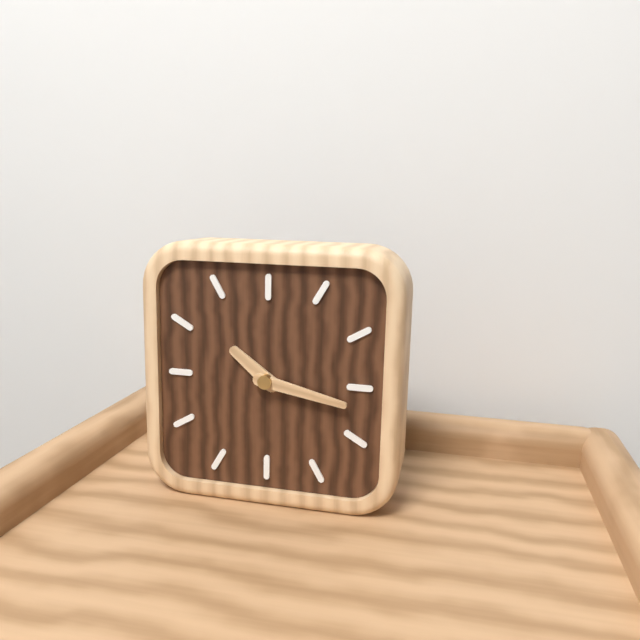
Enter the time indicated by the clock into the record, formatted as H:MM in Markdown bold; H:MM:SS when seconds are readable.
**10:17**
